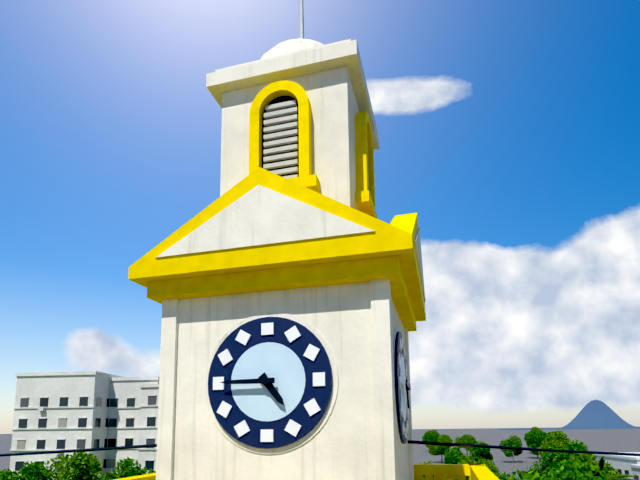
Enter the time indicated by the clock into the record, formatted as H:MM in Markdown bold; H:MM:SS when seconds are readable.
**4:45**
